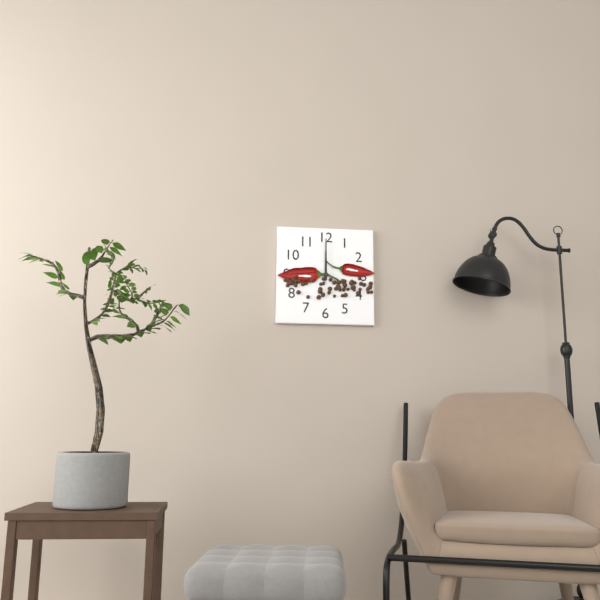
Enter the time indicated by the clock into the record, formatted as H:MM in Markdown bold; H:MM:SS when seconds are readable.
**12:00**
